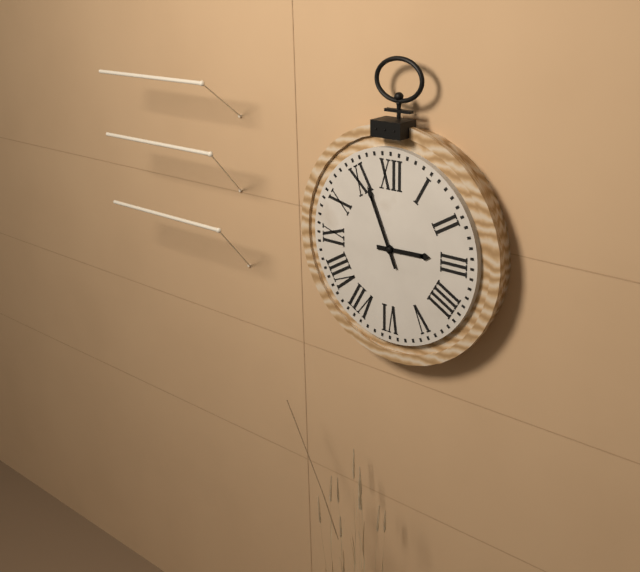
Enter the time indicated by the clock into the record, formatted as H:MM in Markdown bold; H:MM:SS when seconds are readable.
**2:56**
